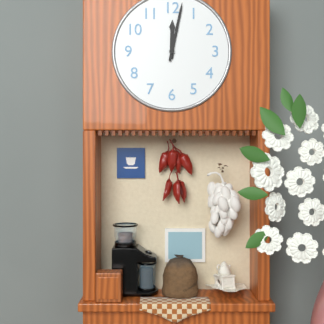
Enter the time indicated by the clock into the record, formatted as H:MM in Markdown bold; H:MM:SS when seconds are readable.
**12:02**
